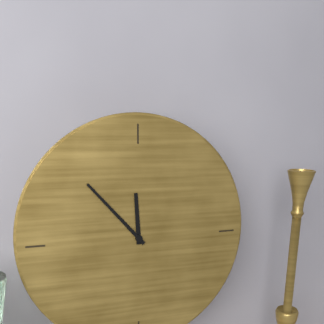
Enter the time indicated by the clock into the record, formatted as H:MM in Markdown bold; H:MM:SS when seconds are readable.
**11:53**
